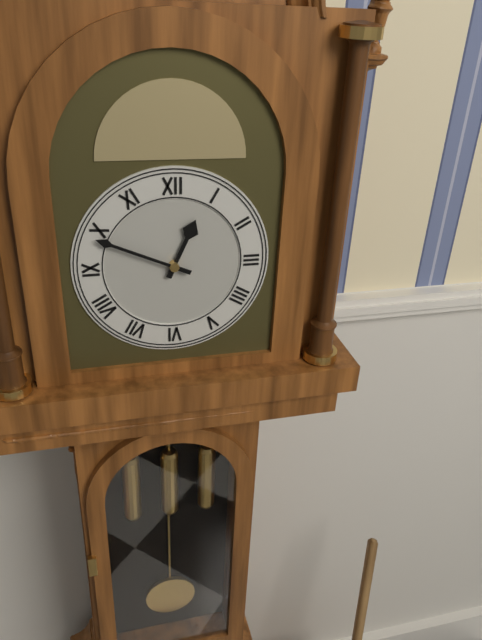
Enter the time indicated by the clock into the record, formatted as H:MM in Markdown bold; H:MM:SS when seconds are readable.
**12:49**
